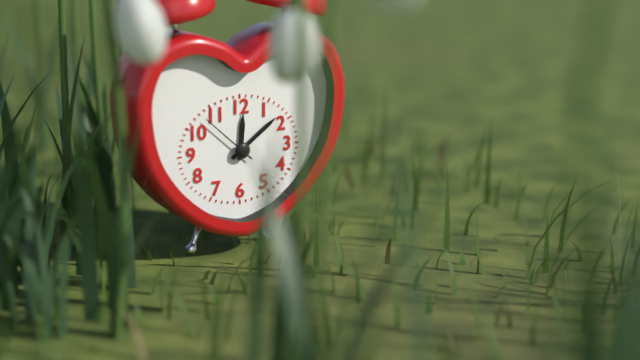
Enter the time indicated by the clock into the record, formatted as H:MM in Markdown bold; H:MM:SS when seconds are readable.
**12:09:52**
